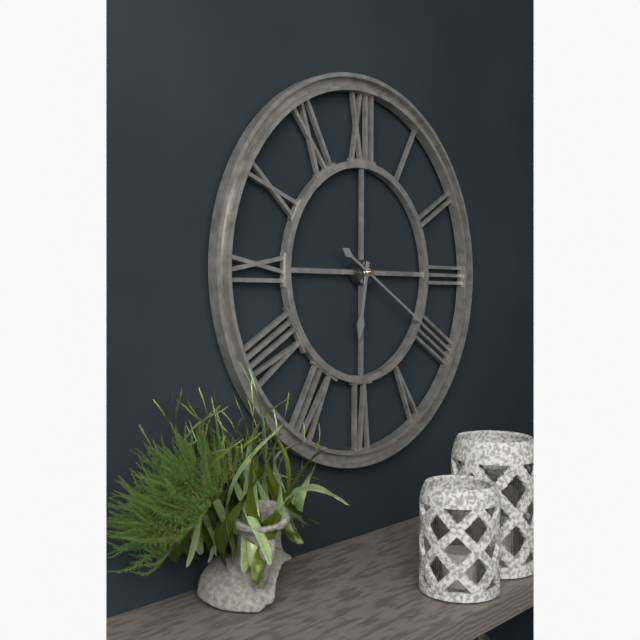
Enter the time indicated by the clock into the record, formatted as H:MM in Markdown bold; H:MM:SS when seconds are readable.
**6:20**
